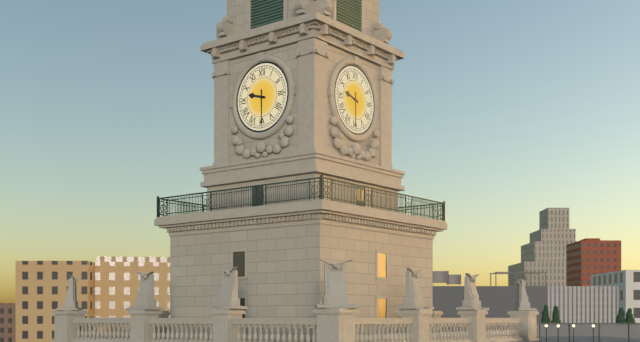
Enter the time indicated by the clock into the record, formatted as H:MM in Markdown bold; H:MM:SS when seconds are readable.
**9:30**
